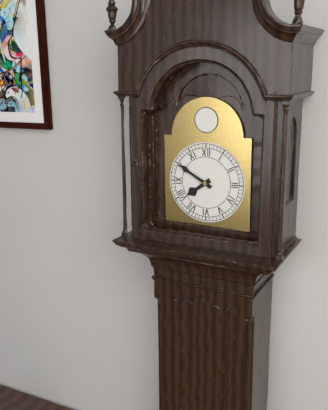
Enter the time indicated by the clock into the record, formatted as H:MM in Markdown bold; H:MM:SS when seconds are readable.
**7:50**
